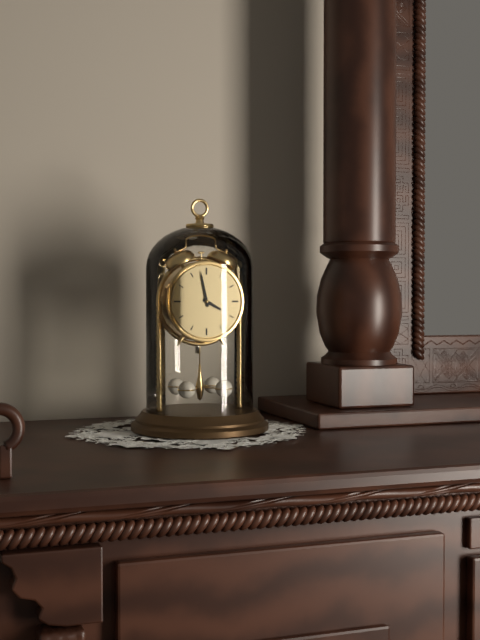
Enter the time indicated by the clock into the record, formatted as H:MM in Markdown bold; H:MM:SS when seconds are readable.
**3:58**
